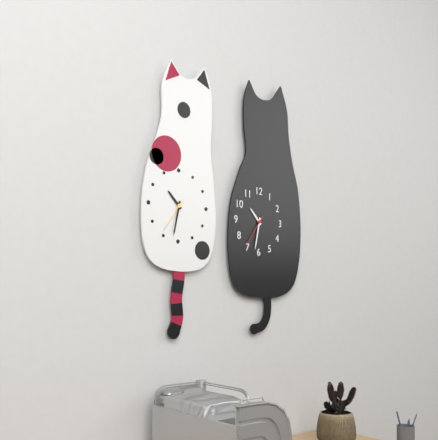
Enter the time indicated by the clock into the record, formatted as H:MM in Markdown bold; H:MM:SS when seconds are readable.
**10:32**
